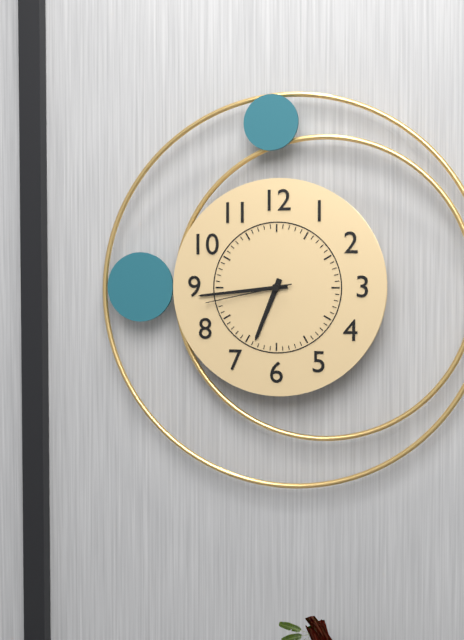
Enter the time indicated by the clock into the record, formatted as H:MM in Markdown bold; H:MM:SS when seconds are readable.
**6:44:43**
